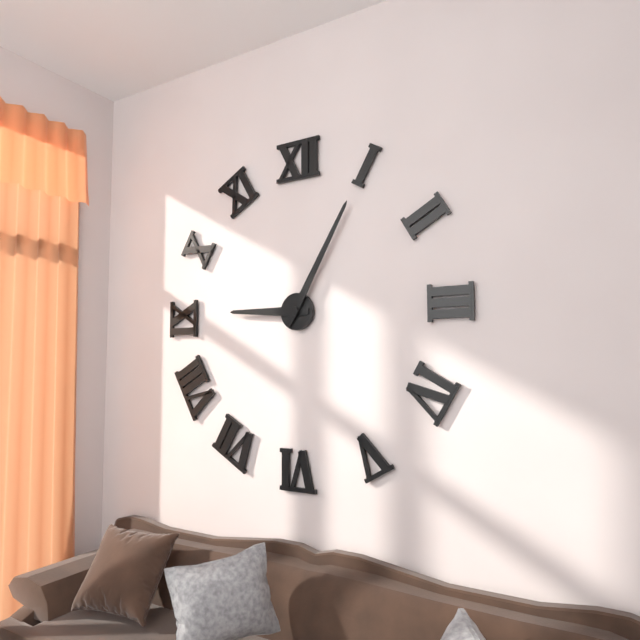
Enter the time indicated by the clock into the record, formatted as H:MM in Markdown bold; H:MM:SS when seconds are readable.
**9:05**
